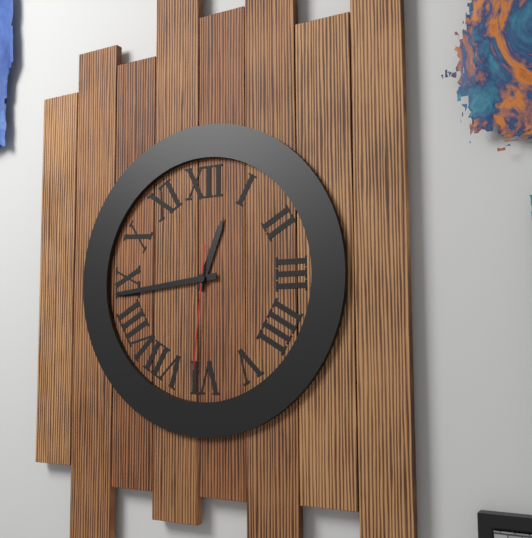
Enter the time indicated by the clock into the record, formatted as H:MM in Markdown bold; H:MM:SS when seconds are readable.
**12:44:31**
